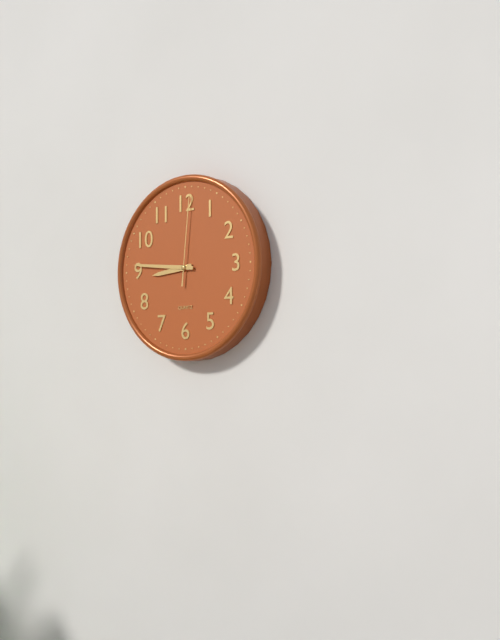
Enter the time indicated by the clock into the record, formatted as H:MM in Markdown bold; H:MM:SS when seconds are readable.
**8:46:01**
